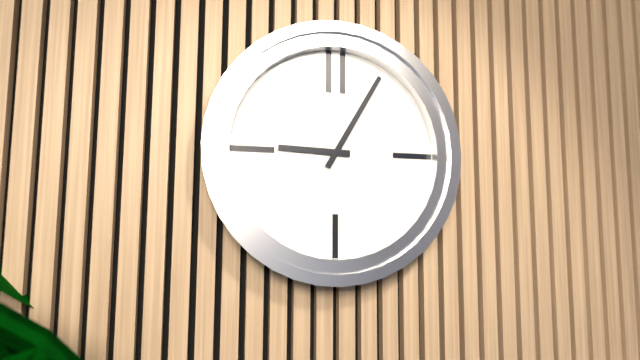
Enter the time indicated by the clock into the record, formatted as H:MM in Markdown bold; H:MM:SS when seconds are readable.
**9:05**
